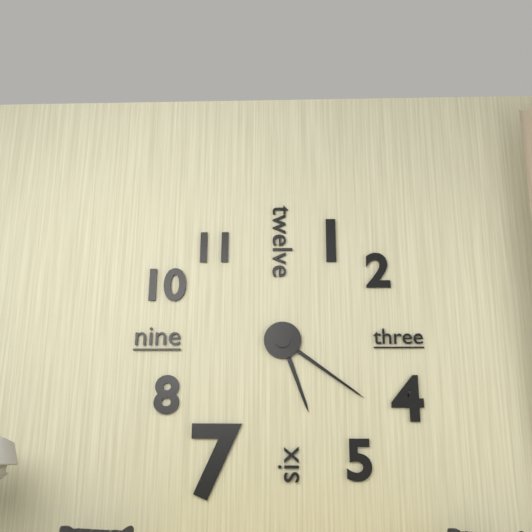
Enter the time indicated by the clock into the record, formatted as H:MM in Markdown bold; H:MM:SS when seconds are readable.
**5:21**
